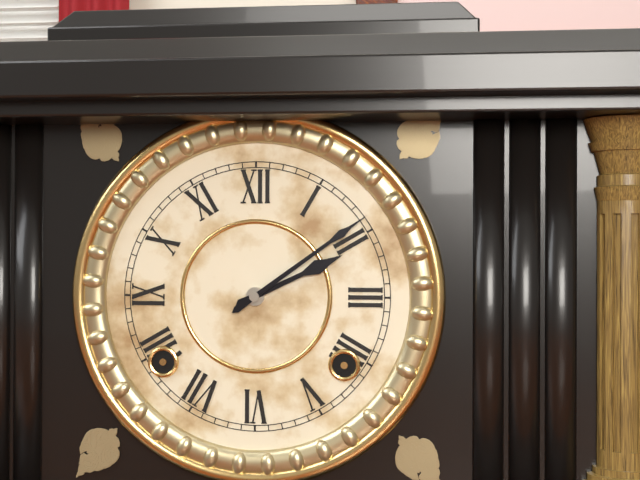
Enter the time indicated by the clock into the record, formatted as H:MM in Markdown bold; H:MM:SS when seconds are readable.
**2:09**
